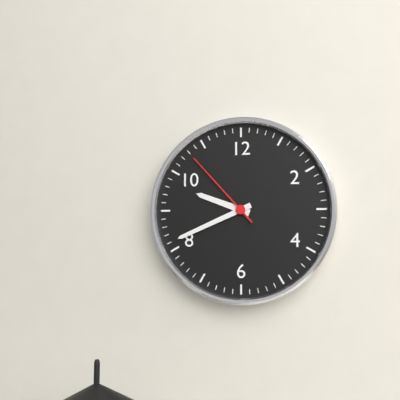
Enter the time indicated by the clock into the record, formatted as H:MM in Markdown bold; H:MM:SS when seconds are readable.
**9:41:53**
